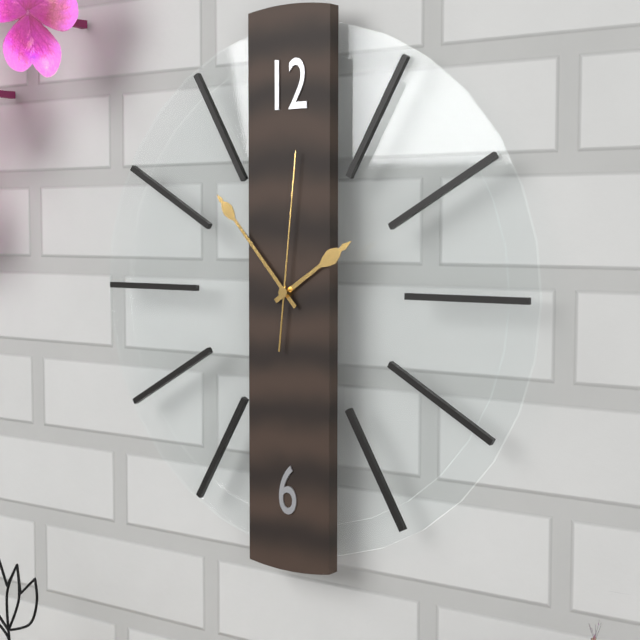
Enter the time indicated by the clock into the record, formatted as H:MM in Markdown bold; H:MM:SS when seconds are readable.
**1:53:01**
